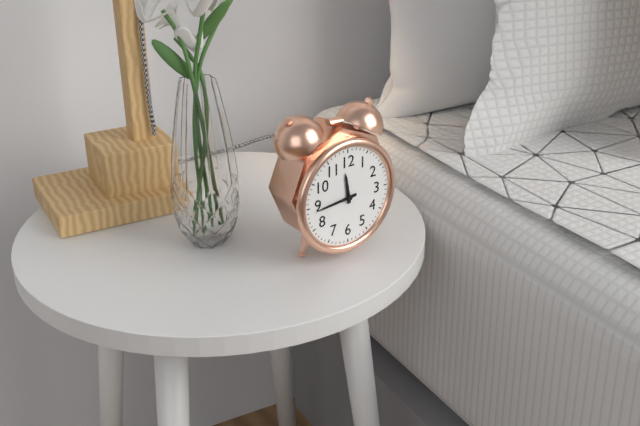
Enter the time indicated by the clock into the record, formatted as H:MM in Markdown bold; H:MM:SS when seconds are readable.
**11:44**
